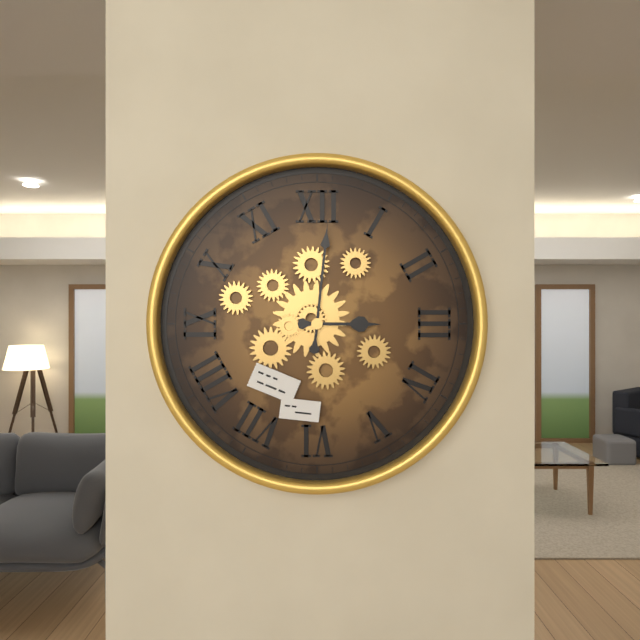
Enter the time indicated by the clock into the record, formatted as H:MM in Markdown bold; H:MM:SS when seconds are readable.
**3:01**
